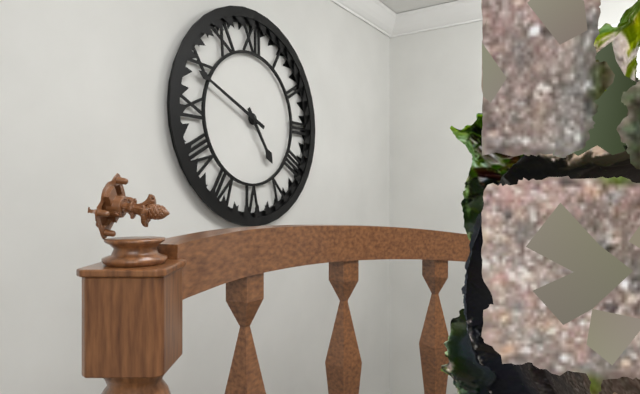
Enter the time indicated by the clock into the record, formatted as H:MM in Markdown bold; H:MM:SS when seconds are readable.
**4:49**
